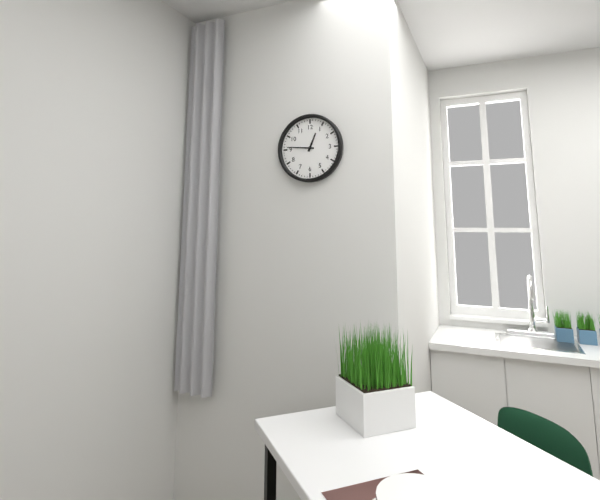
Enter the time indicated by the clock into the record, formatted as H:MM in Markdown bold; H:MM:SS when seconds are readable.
**12:46**
